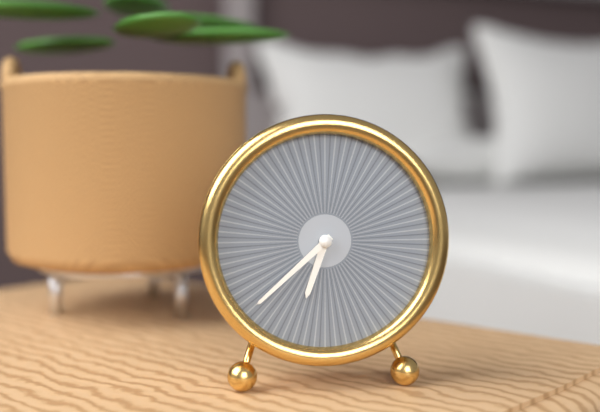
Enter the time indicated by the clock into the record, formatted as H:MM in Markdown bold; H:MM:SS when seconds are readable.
**6:38**
